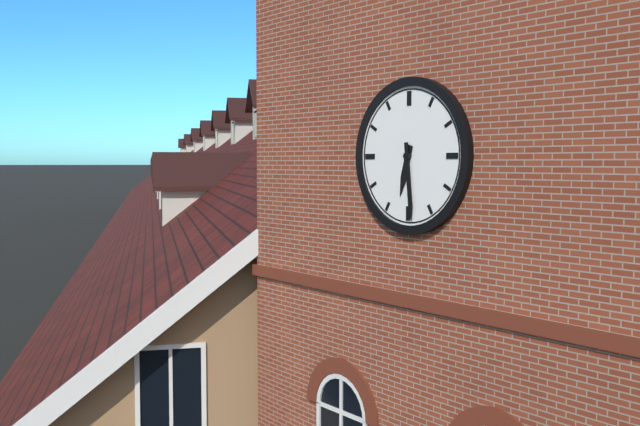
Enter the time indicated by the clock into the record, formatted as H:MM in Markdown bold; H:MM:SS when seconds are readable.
**6:29**
